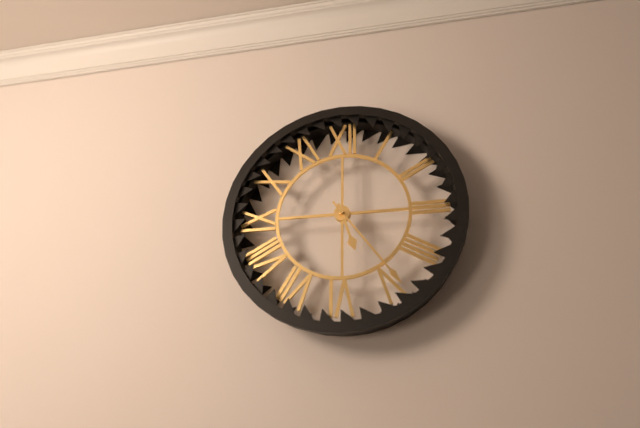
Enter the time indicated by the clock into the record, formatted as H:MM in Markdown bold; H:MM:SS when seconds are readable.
**5:24**
